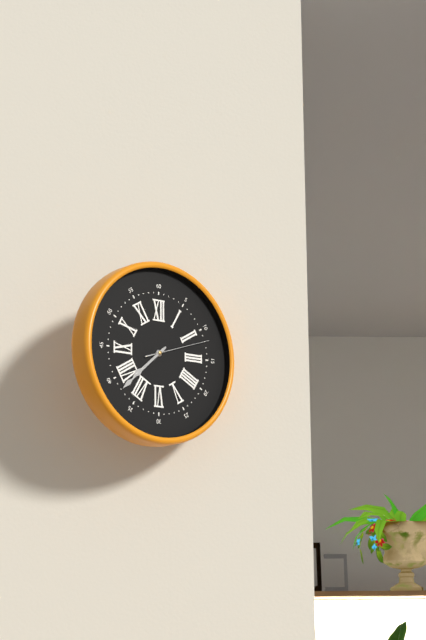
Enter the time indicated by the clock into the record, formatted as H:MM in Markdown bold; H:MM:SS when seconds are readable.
**7:38:12**
